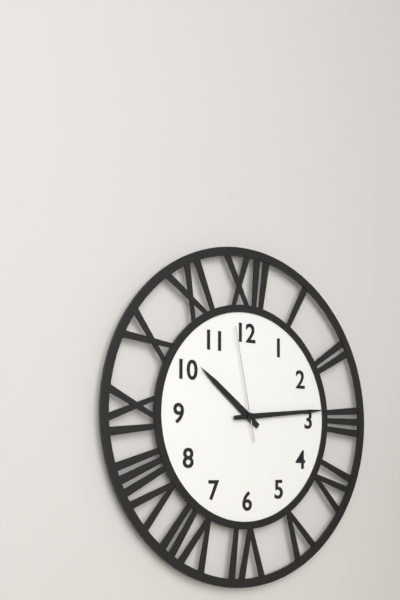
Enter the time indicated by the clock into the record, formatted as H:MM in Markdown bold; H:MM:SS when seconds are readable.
**10:14:58**
